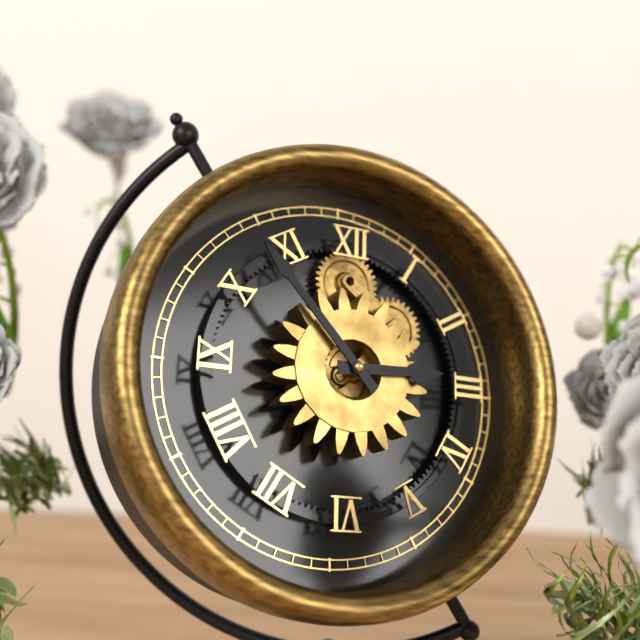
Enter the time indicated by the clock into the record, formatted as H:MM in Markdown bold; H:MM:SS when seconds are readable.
**2:53**
